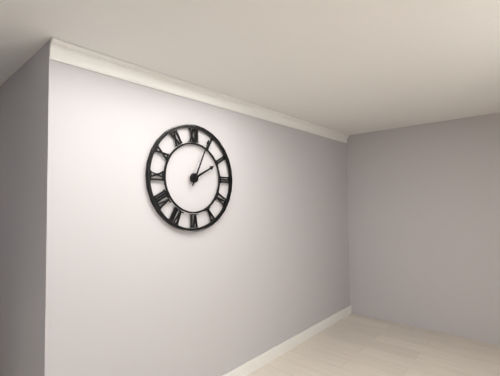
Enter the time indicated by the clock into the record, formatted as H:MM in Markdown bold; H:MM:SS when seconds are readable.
**2:04**
